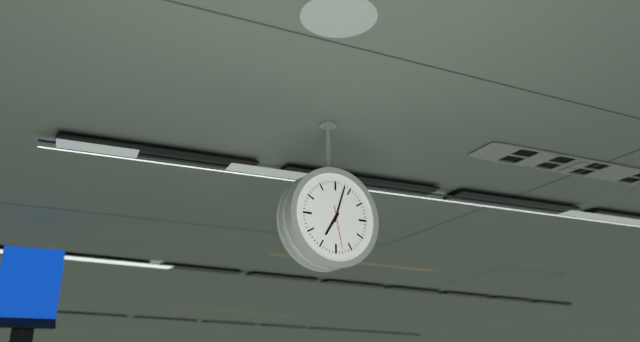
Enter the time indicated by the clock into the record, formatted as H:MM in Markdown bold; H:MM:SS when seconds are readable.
**7:03**
